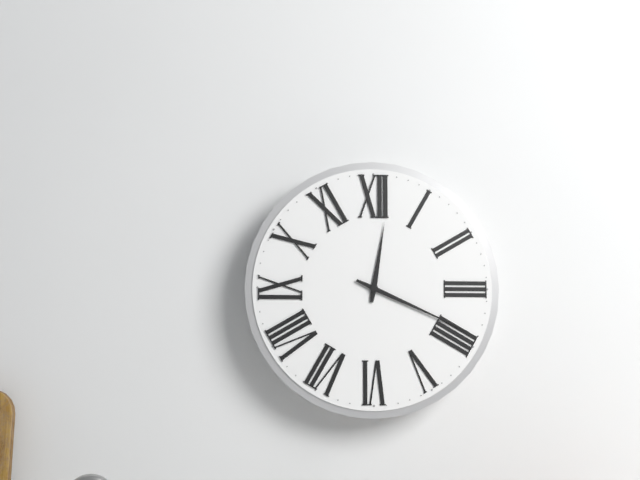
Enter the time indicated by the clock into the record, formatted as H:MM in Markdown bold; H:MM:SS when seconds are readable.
**12:19**
